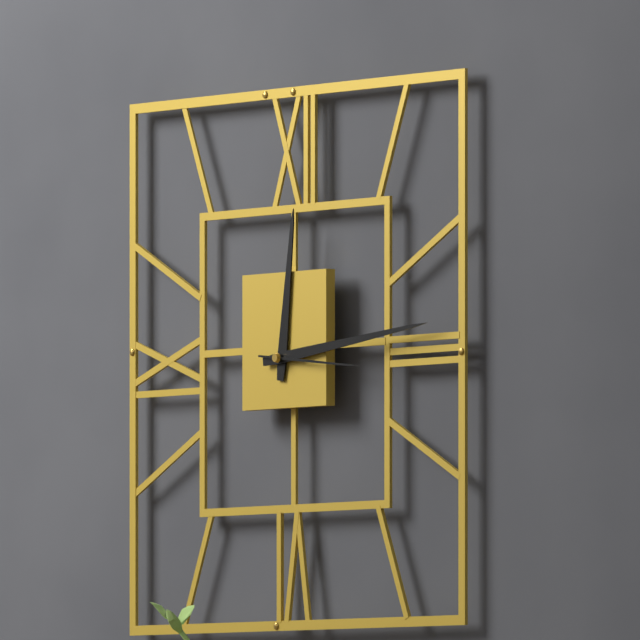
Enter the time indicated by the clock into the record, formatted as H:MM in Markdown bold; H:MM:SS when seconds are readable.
**12:14:16**
